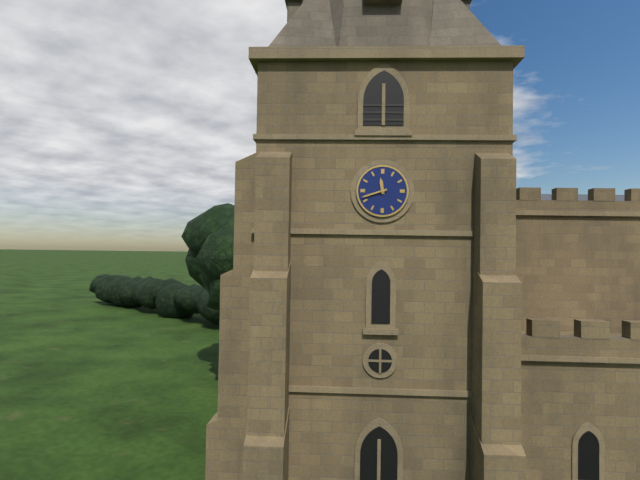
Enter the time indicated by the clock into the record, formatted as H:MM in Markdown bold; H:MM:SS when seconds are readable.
**11:42**
